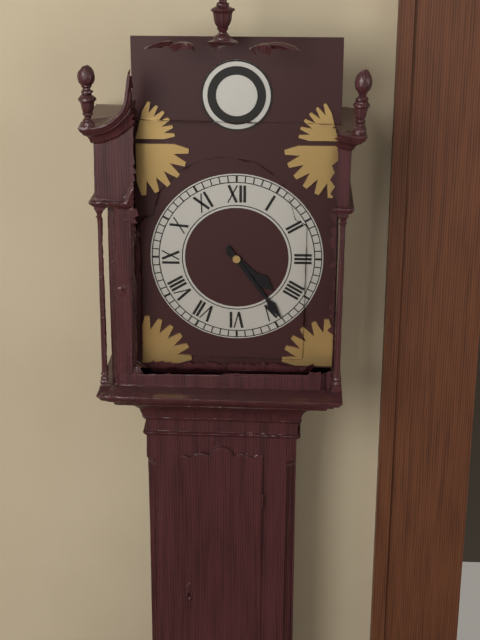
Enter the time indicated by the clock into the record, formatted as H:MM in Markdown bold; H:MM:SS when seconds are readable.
**4:24**
